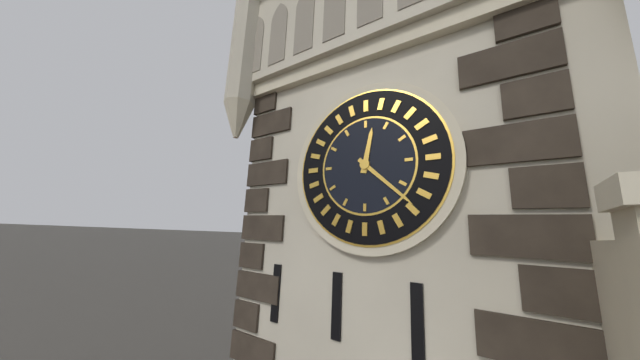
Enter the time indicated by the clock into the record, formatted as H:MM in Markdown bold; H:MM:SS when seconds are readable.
**12:22**
